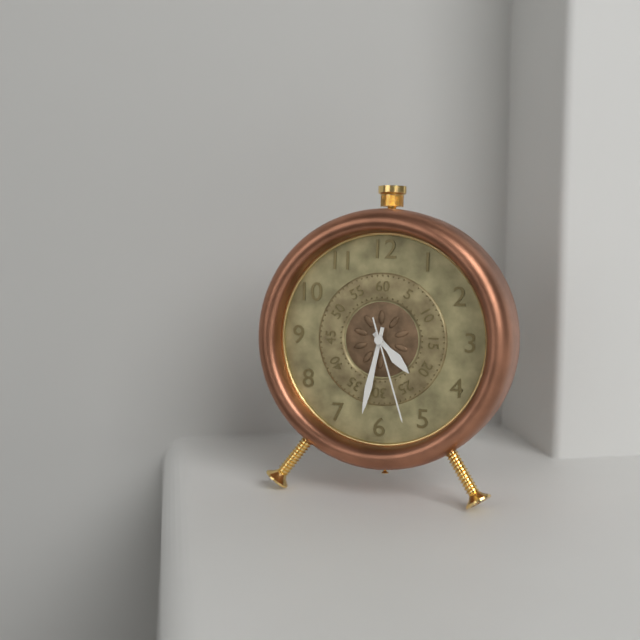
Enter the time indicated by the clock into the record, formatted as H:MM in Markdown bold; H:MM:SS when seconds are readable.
**4:32:27**
